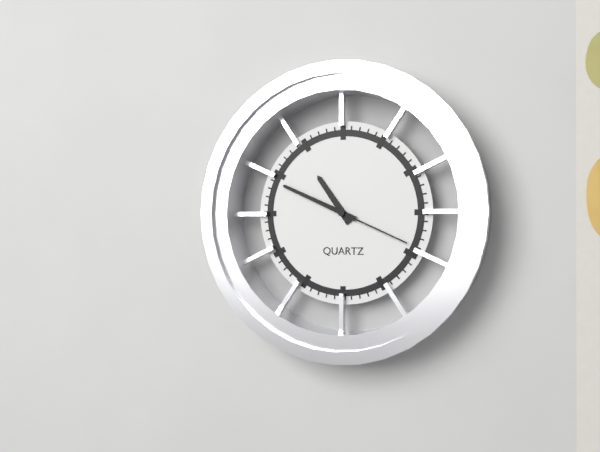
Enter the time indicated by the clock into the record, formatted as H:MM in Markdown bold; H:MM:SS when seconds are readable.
**10:49:19**
